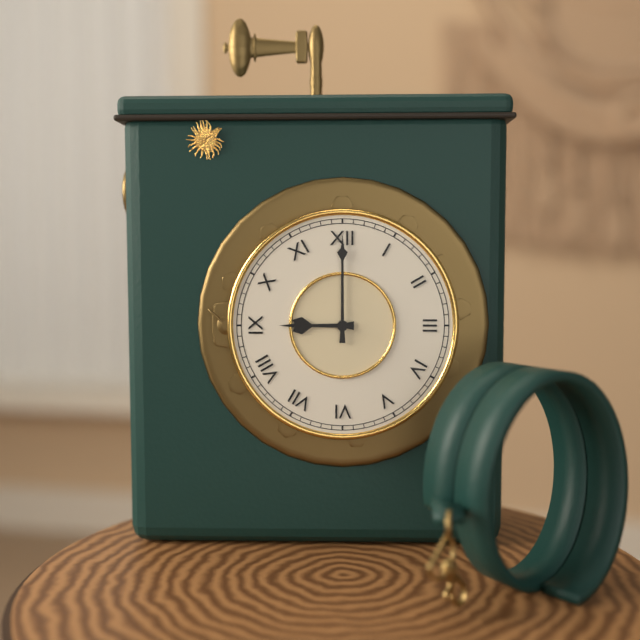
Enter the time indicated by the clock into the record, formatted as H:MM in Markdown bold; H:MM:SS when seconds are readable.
**9:00**
